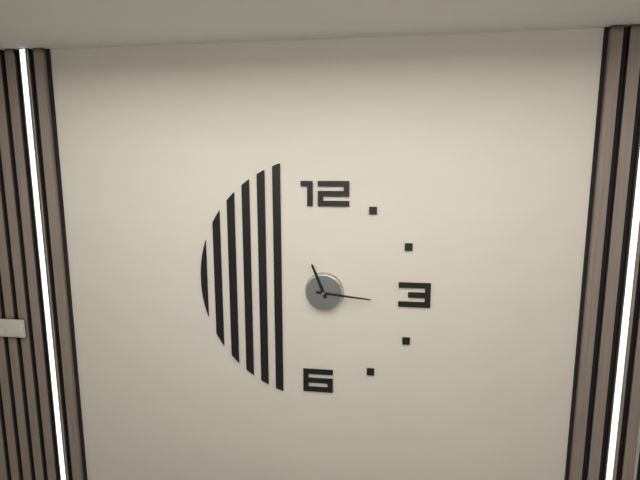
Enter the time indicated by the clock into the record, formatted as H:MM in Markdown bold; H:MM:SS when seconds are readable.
**11:16**
